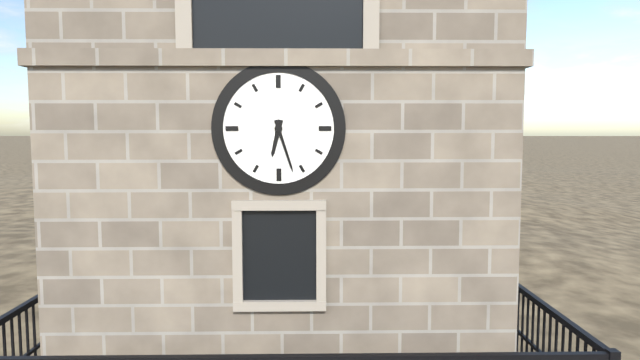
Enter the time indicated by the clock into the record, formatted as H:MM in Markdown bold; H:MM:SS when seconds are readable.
**6:27**
